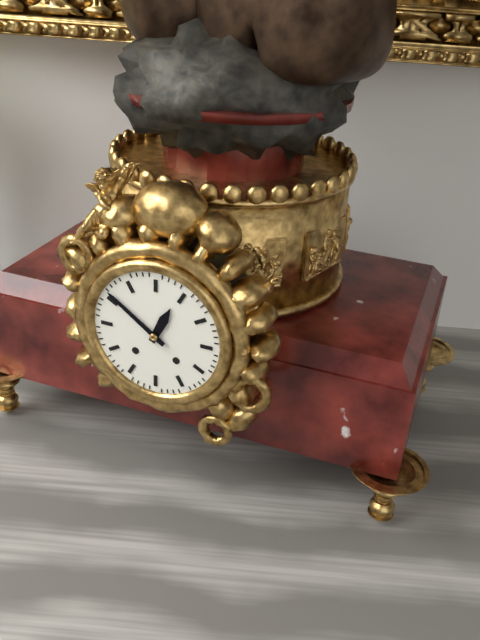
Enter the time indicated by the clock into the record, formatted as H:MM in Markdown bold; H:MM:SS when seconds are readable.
**12:51**
